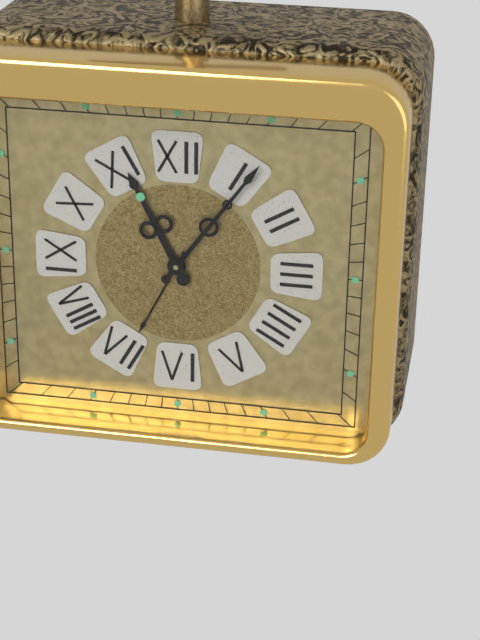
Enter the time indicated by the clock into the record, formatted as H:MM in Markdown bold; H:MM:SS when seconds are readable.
**11:06**
